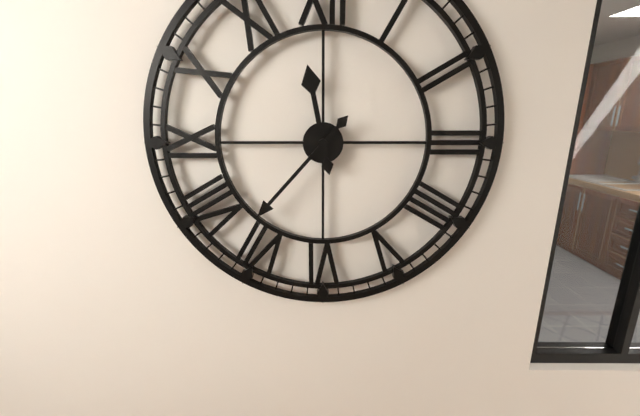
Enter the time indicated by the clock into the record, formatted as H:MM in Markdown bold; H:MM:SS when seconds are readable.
**11:37**
